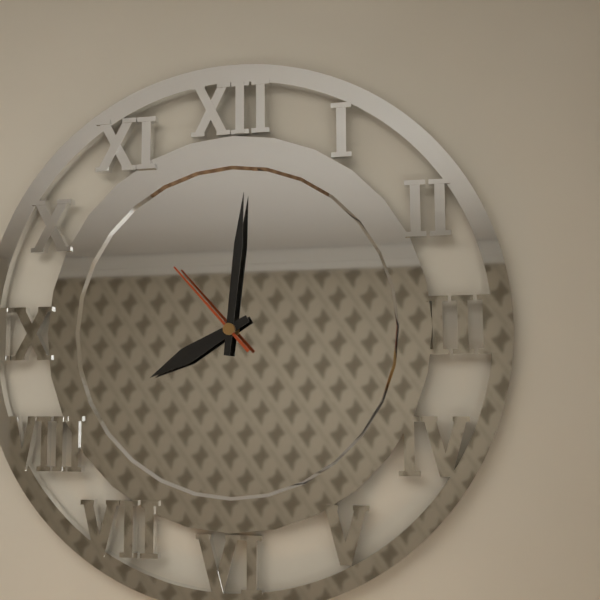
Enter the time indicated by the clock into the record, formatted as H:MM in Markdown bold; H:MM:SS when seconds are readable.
**8:01:53**
